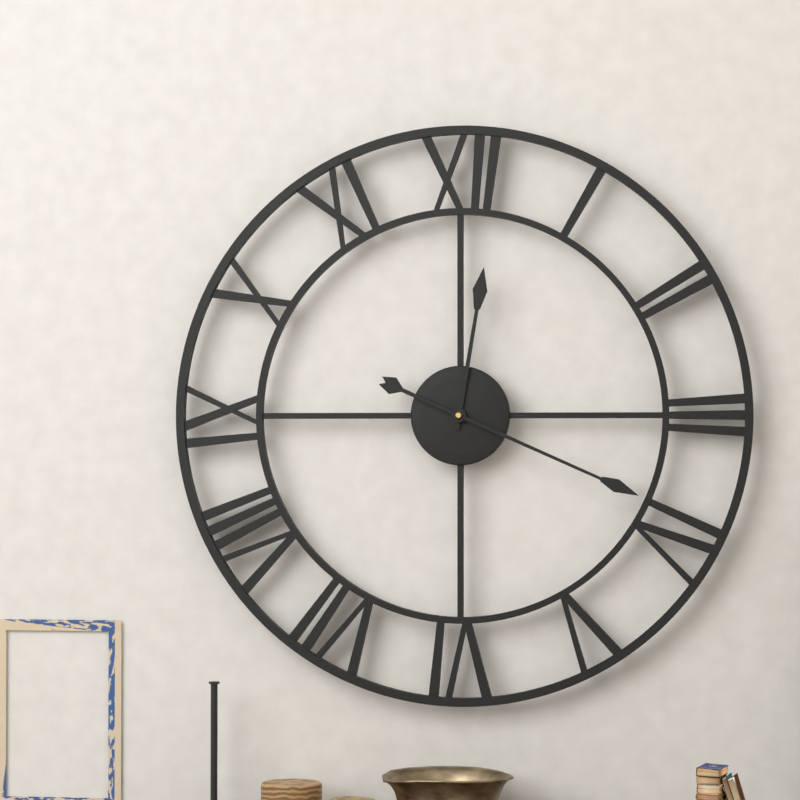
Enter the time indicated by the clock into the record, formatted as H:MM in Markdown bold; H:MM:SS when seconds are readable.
**12:19**
